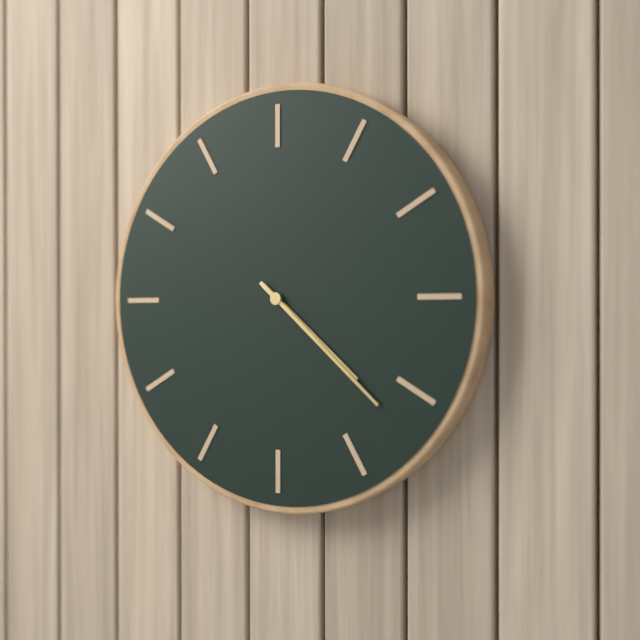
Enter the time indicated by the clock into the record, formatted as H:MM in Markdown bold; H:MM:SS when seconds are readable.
**4:22**
